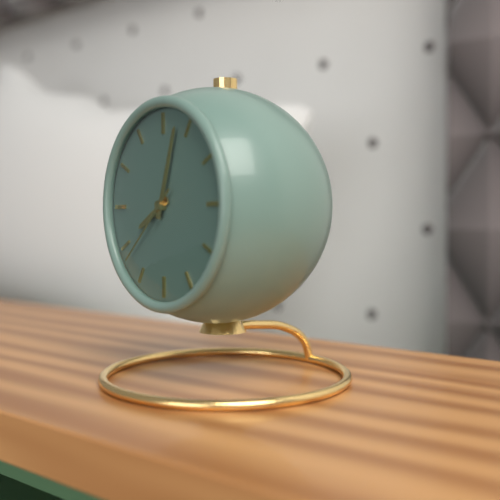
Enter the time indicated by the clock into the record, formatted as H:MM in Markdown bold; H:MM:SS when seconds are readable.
**8:03:38**
